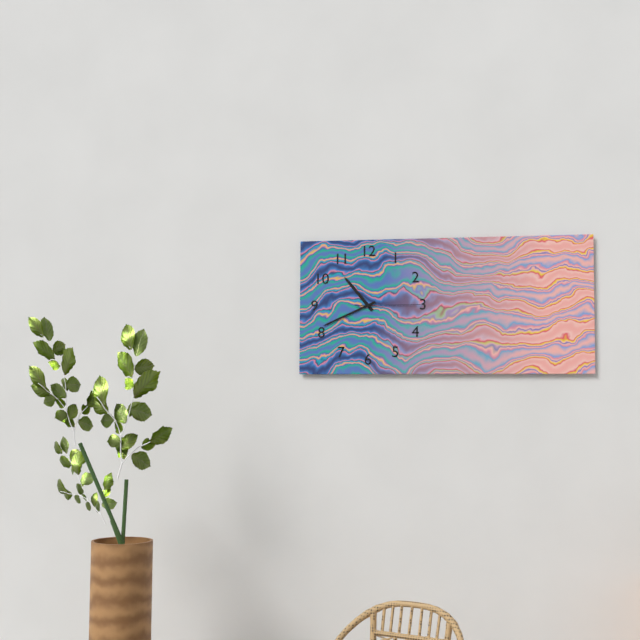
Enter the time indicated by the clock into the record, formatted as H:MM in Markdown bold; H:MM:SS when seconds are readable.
**10:41:15**
